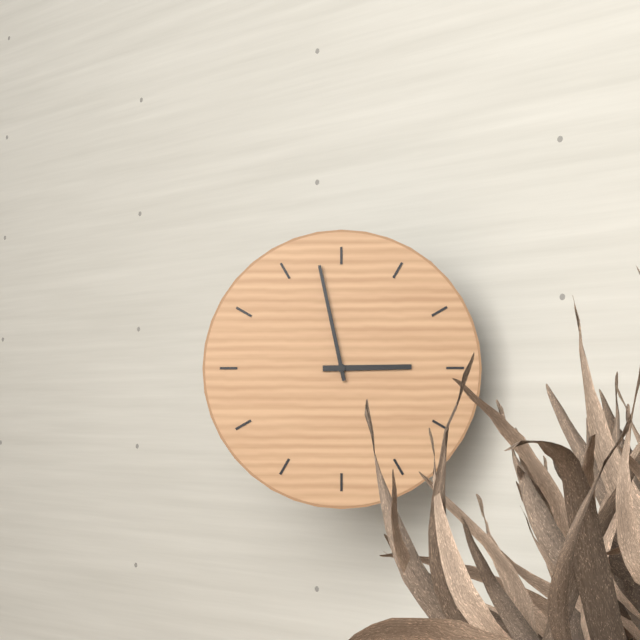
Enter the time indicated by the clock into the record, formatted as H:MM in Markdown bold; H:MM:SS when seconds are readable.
**2:58**
